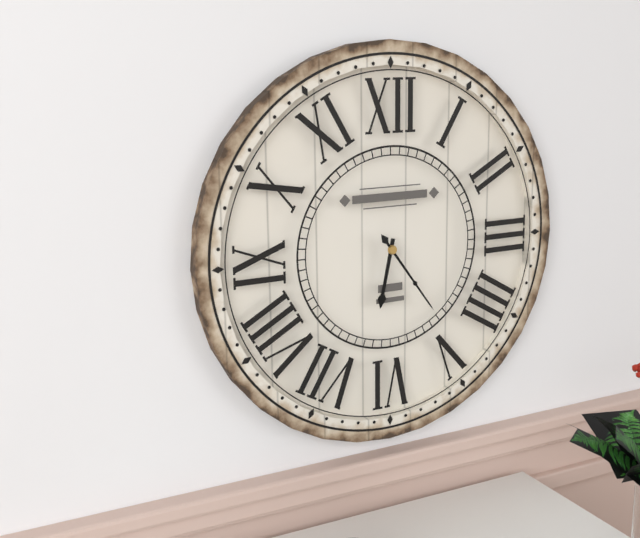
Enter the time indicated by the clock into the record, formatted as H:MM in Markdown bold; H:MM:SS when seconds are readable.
**6:24**
